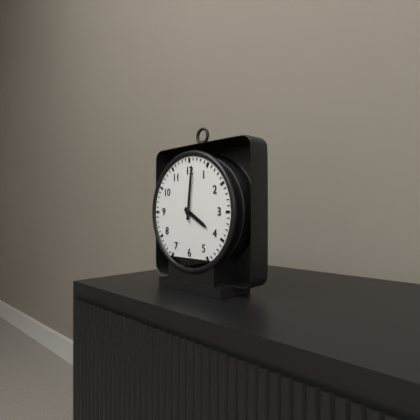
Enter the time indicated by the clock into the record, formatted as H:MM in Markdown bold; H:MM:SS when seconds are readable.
**4:01**
